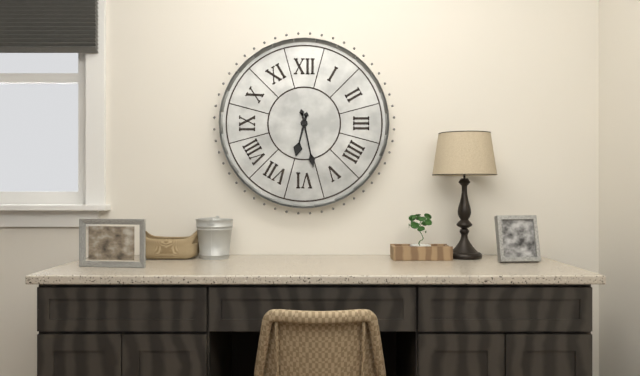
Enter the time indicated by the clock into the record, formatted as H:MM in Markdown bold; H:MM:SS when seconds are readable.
**6:28**
